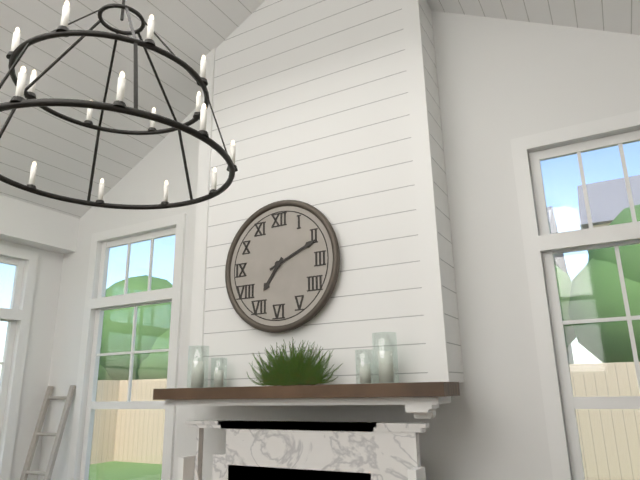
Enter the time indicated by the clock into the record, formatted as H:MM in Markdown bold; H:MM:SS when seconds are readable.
**7:11**
